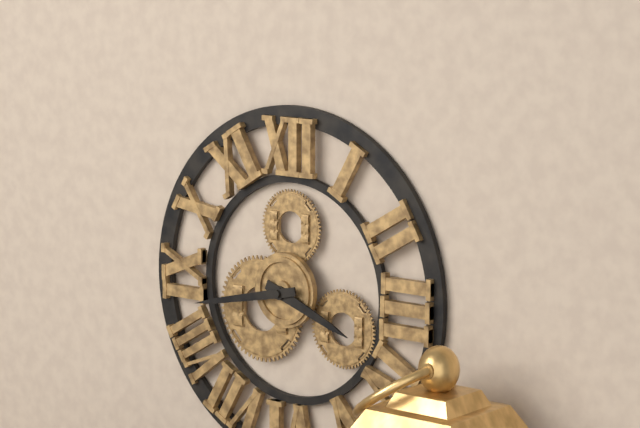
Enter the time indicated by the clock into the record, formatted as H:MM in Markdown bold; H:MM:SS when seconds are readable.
**3:43**
